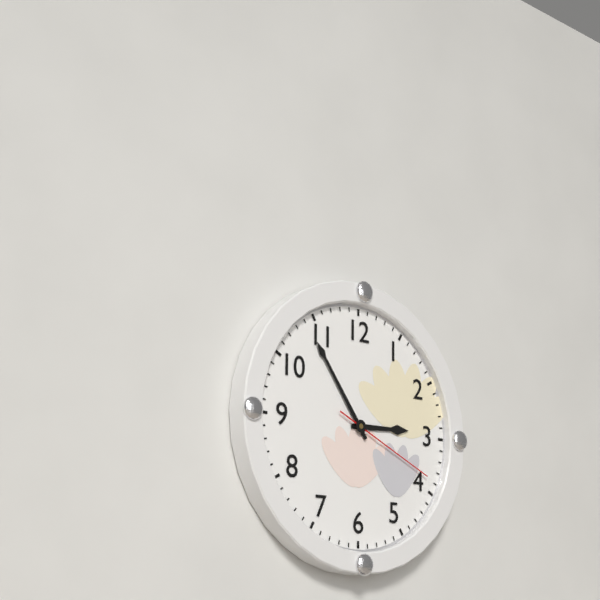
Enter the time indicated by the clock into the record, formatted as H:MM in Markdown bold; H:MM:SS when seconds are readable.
**2:54:19**
